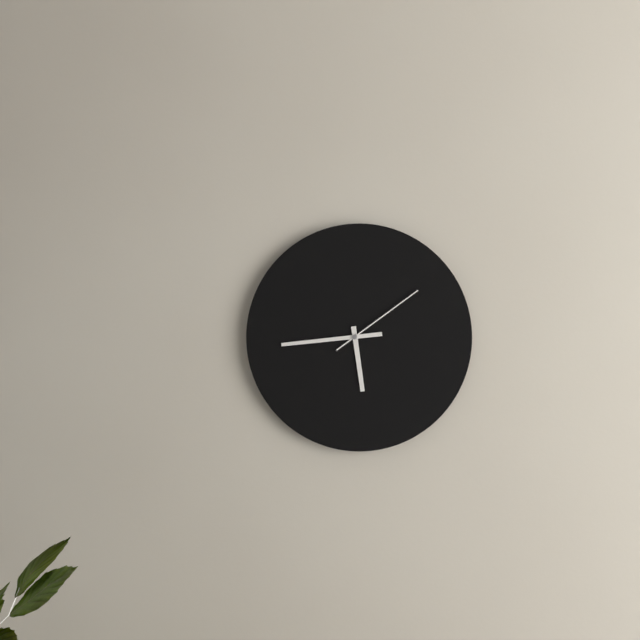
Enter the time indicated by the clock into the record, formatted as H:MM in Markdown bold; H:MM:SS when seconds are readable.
**5:44:09**
